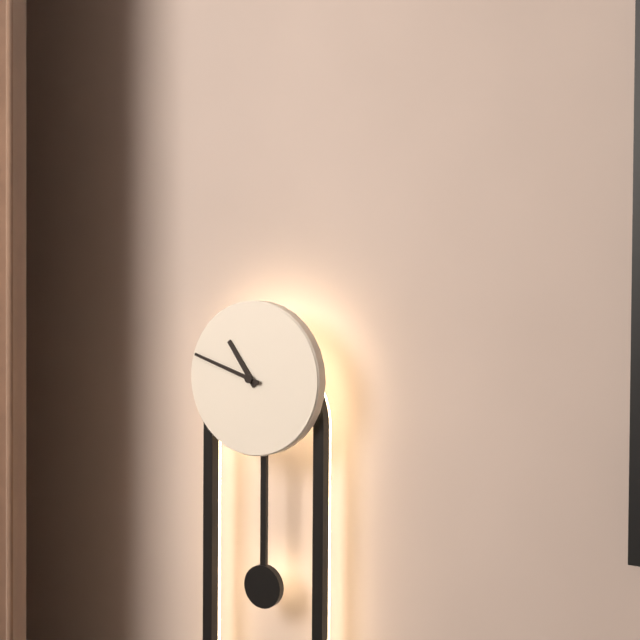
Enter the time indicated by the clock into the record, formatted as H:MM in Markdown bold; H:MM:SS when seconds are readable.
**10:48**
